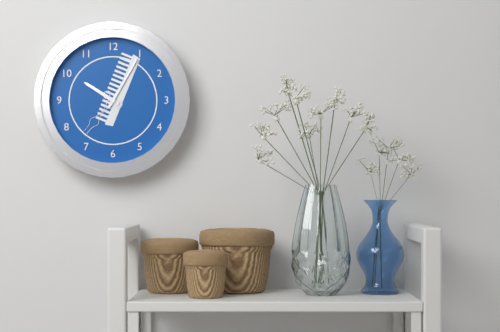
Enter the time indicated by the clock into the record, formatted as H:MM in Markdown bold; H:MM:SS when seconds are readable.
**10:05**
